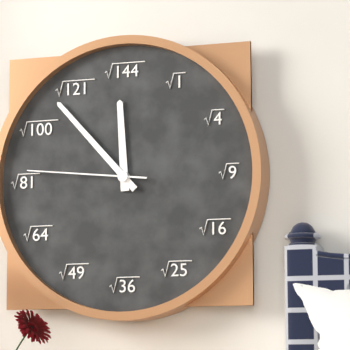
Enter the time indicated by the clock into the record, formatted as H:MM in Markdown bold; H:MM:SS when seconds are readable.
**11:53:46**
